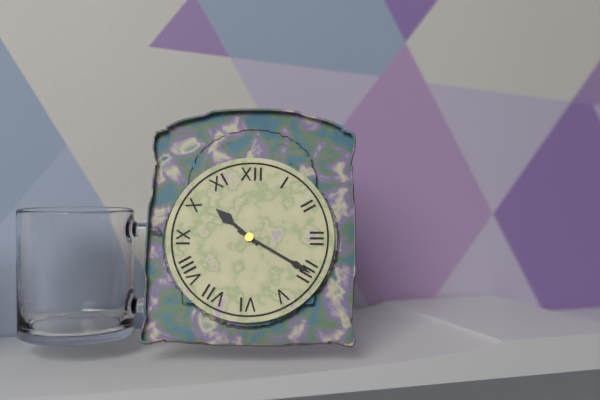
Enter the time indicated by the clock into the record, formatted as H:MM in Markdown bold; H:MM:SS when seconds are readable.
**10:20**
